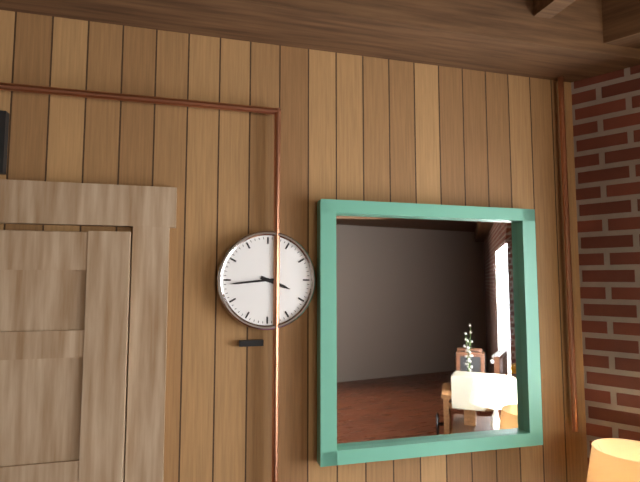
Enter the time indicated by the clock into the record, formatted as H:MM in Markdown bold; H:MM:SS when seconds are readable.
**3:44**
